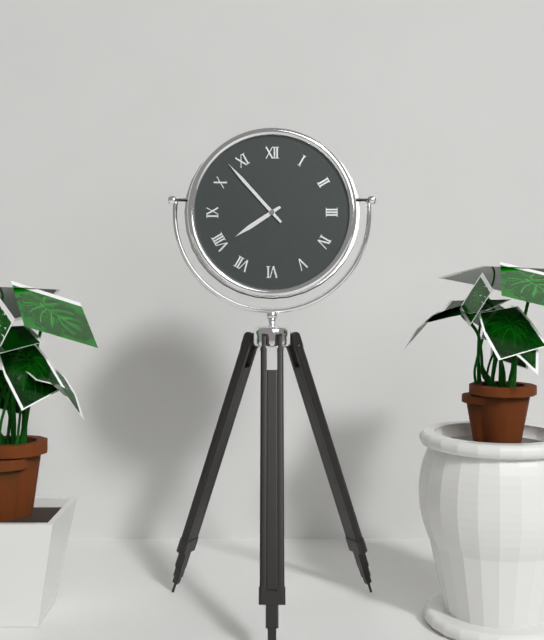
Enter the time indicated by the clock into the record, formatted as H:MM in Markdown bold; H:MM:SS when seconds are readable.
**7:53**
